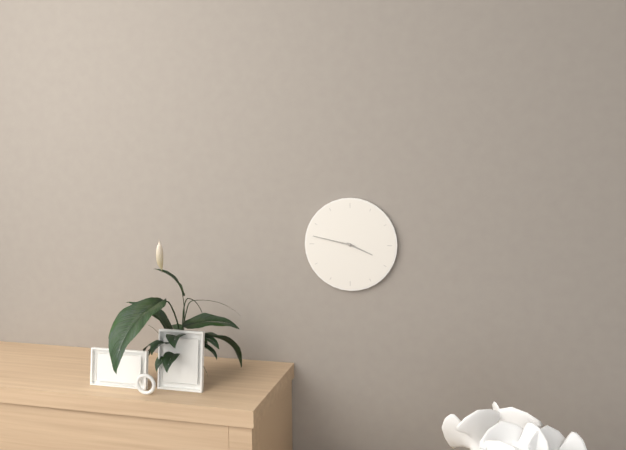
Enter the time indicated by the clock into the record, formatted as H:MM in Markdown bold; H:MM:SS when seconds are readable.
**3:47**
